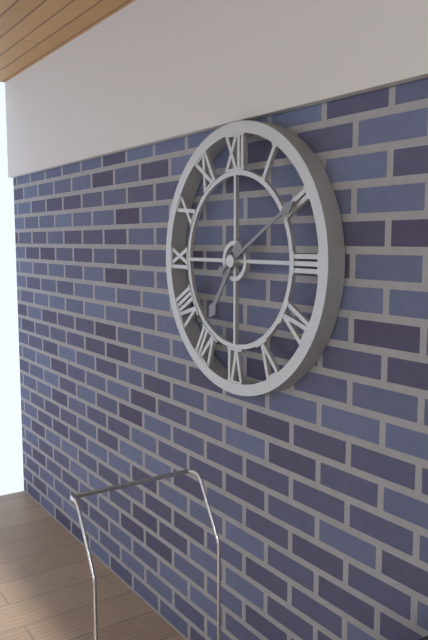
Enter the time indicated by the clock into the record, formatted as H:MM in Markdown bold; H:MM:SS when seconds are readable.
**7:10**
